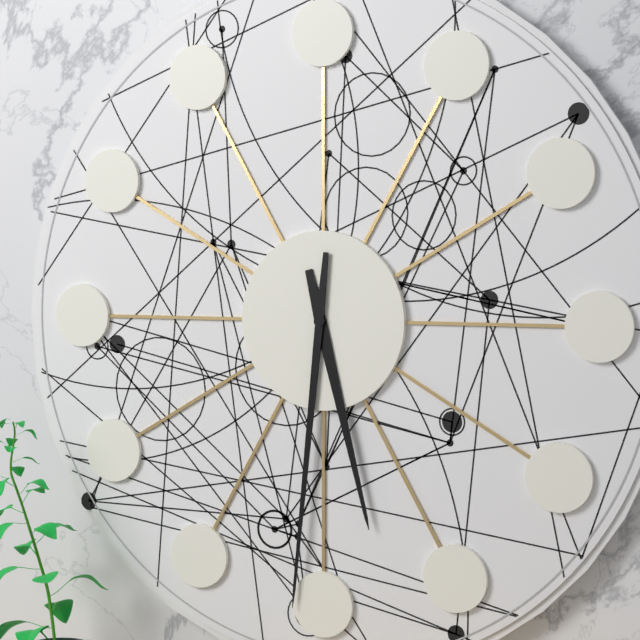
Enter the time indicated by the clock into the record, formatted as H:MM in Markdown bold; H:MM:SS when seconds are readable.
**5:31**
